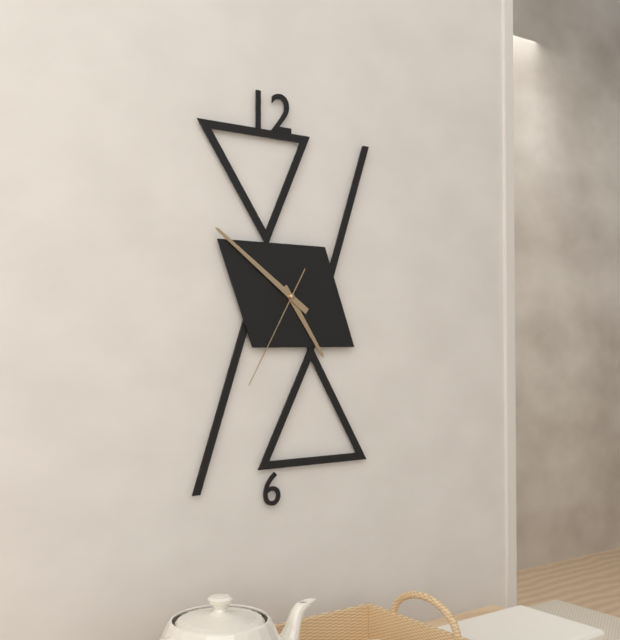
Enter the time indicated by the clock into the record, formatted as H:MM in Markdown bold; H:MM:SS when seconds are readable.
**4:51:35**
